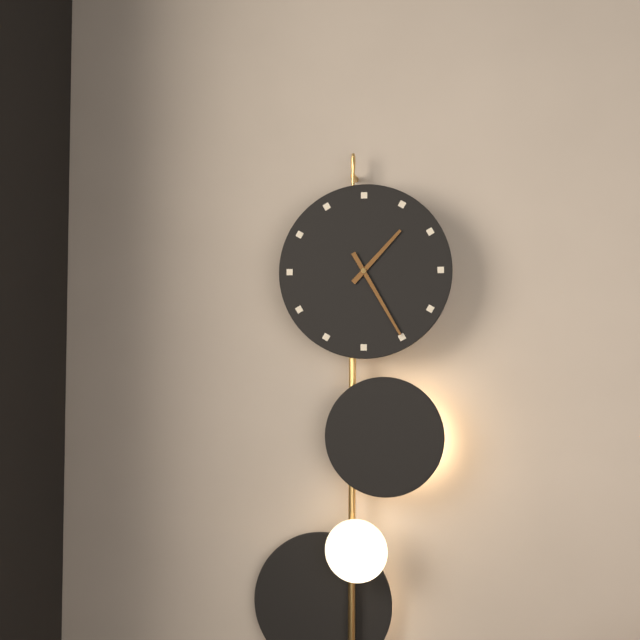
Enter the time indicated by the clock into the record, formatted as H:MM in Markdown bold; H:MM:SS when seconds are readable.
**1:25**
